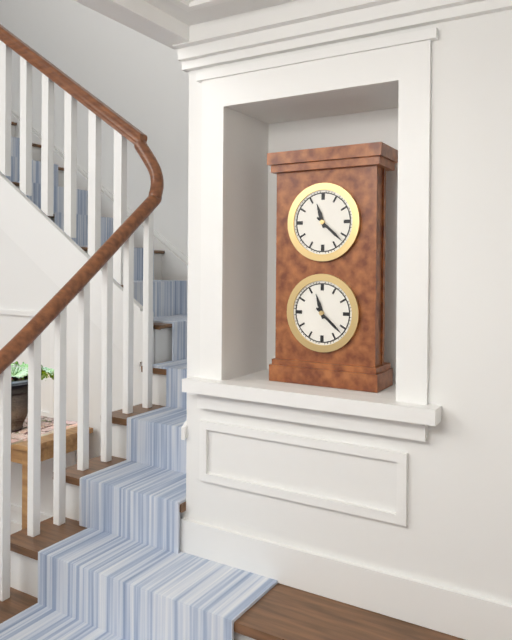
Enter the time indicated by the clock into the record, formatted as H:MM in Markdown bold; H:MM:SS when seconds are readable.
**11:22**
